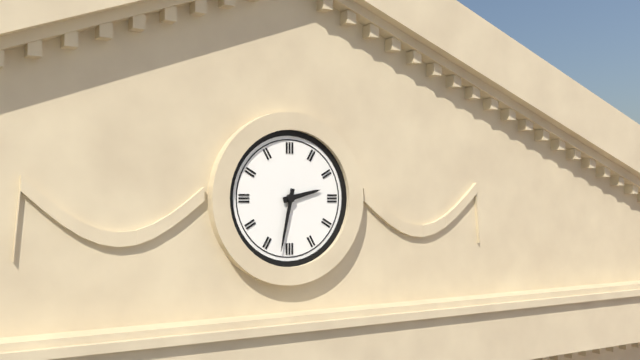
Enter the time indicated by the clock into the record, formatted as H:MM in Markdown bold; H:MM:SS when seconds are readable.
**2:32**
